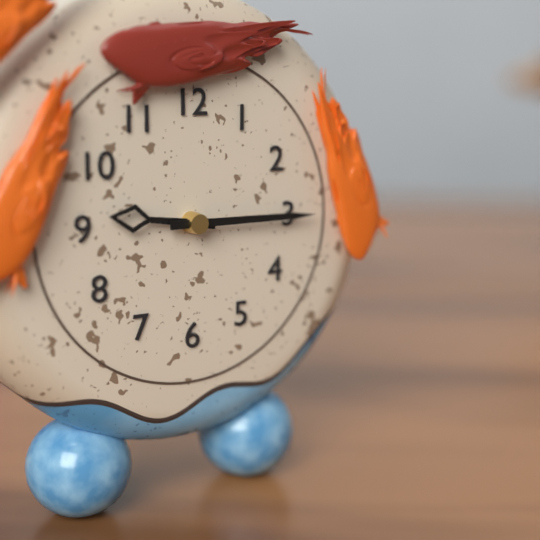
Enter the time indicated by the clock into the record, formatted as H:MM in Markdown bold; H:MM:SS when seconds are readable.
**9:15**
